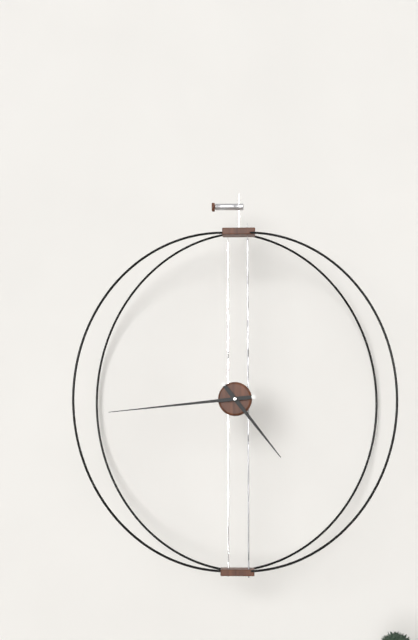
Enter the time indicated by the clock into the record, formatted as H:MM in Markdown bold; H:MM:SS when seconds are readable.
**4:44**
